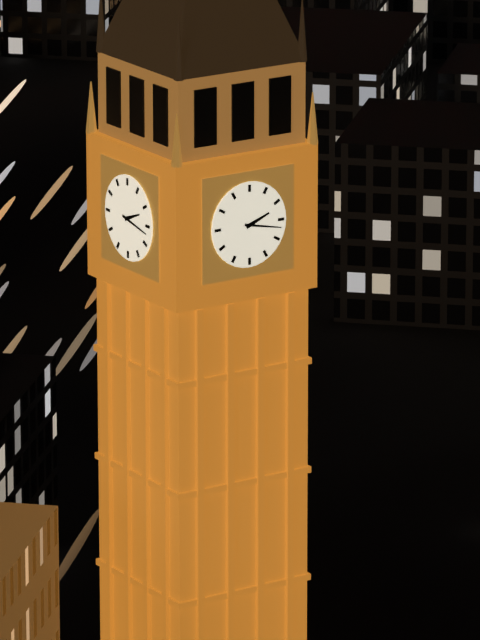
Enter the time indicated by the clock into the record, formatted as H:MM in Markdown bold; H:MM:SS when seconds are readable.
**2:17**
